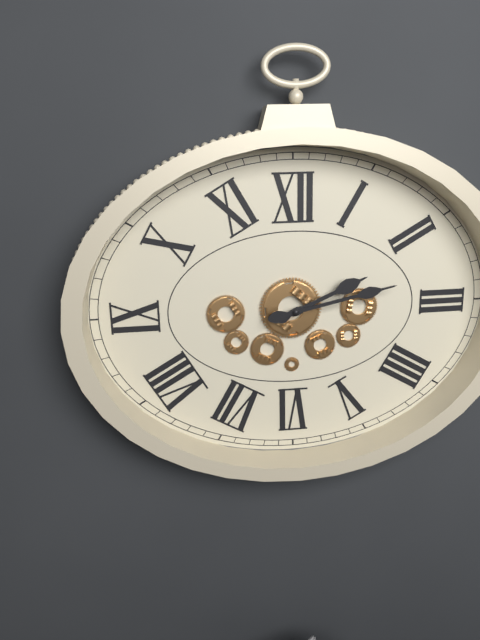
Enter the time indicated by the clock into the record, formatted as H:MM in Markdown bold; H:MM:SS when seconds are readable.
**2:13**
